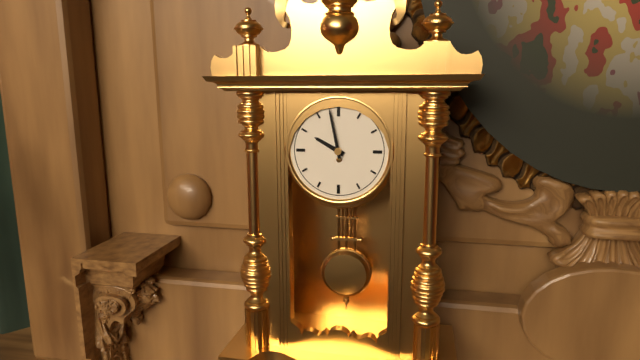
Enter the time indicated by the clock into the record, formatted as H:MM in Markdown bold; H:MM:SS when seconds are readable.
**9:58**
